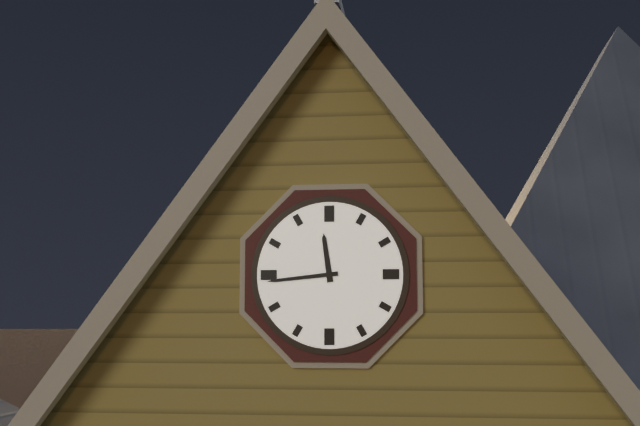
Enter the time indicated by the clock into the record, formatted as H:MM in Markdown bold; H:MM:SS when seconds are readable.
**11:44**
